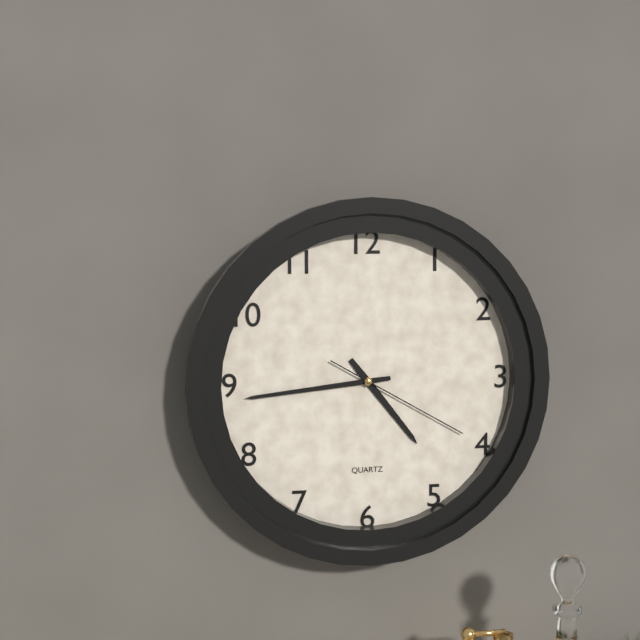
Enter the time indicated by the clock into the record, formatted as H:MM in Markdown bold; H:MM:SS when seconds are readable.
**4:44:20**
